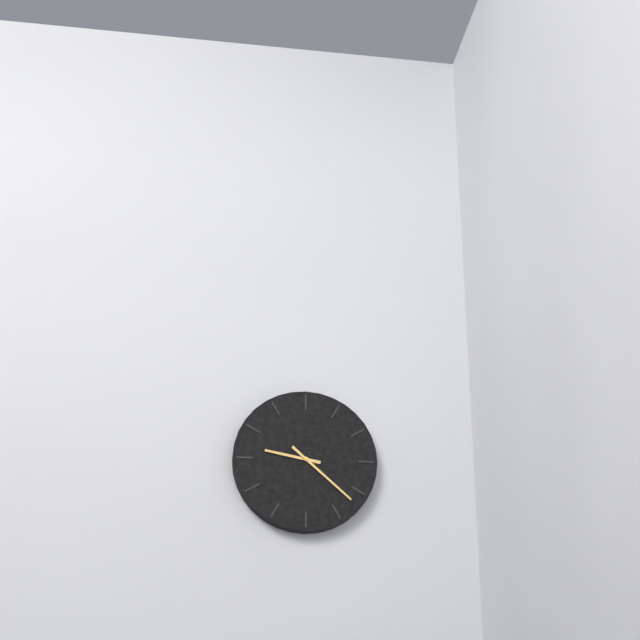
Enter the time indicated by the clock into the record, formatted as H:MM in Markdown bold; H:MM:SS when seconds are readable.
**9:22**
